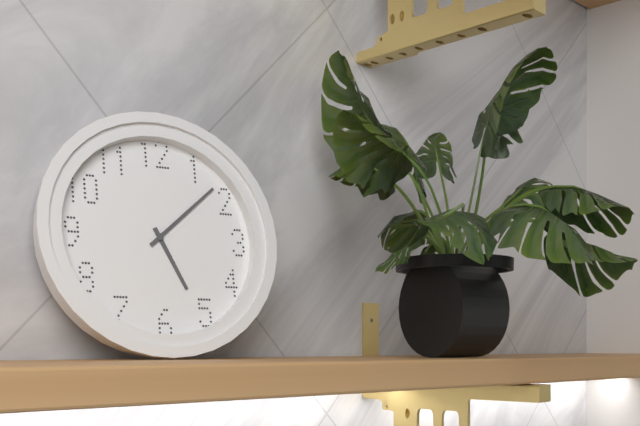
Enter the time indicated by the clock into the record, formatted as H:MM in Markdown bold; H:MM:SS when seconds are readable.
**5:08**
